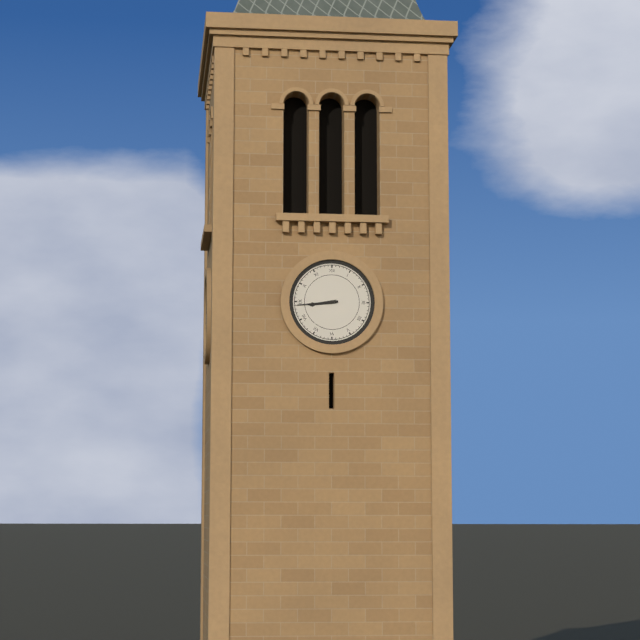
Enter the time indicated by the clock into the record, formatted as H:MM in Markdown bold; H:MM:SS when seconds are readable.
**8:44**
